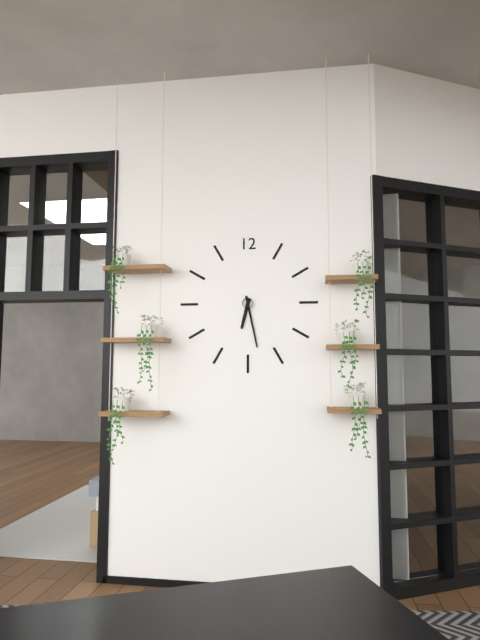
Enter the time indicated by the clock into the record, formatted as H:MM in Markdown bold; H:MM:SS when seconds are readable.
**6:28**
